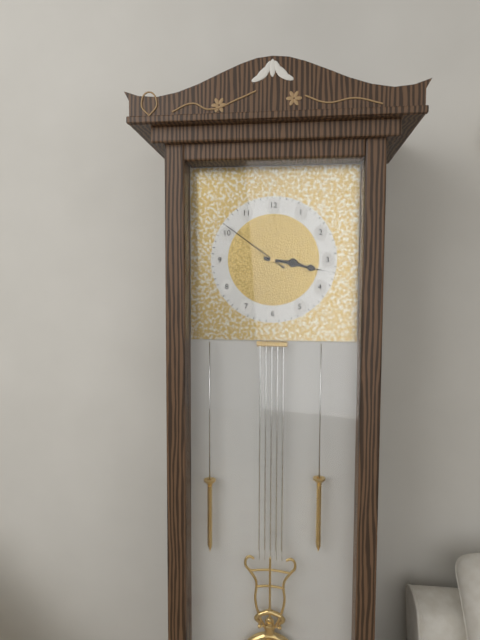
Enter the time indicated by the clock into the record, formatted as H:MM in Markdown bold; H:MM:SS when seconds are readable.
**3:17:51**
